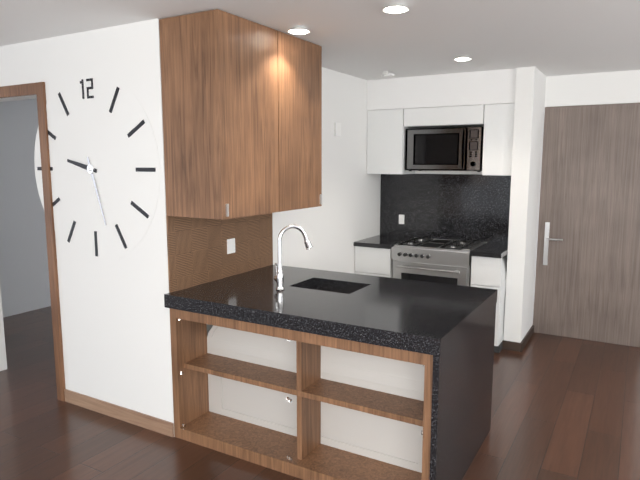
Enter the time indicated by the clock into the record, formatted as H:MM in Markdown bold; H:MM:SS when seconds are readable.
**9:27**
